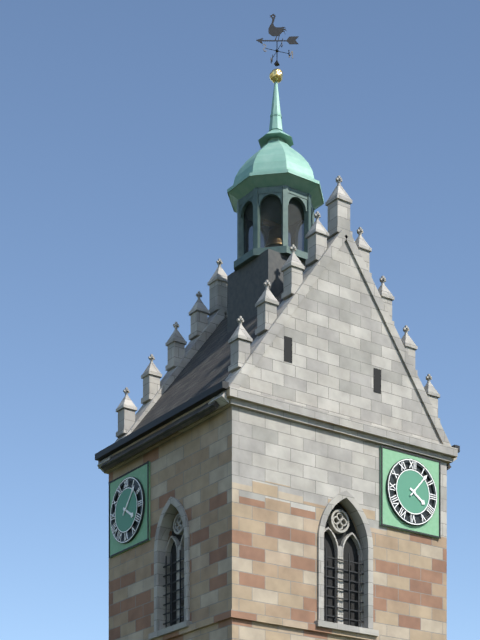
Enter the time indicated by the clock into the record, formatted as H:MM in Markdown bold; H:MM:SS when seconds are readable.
**4:07**
